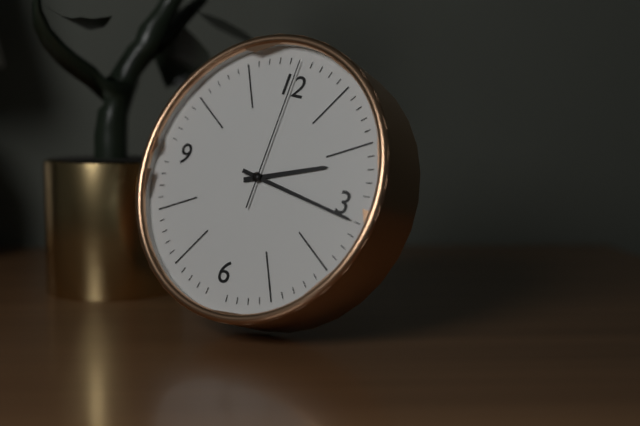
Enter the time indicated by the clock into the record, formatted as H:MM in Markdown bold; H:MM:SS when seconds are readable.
**2:16:00**
